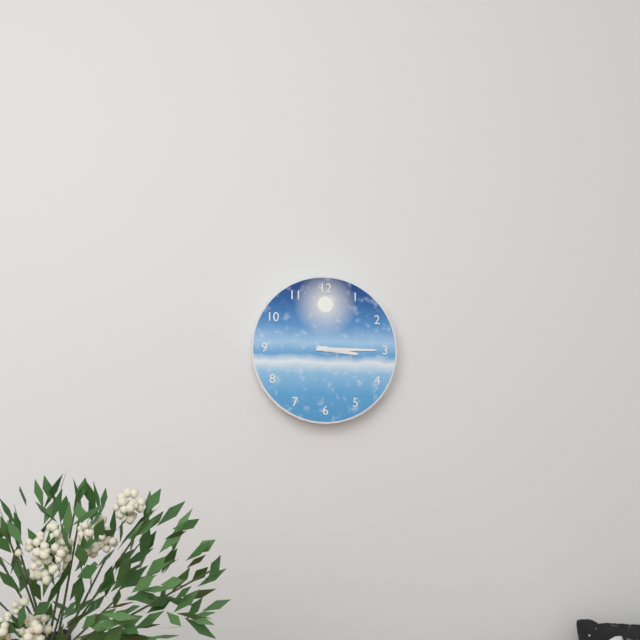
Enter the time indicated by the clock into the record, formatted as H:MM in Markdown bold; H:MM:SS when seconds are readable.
**3:15**
